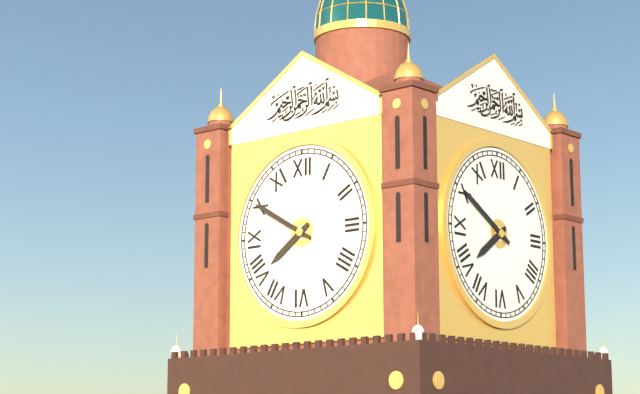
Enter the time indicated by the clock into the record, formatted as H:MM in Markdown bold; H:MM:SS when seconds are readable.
**7:50**
